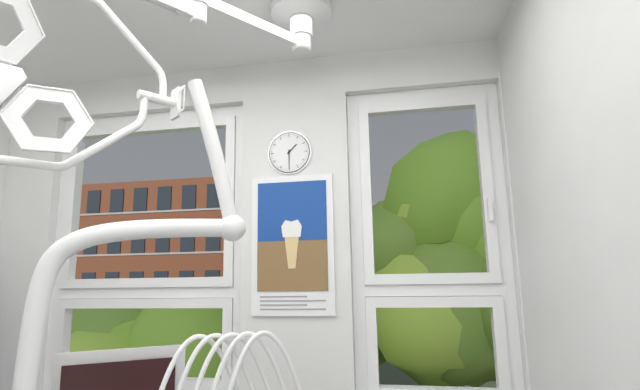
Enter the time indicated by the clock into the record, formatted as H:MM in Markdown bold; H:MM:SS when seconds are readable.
**1:30**
